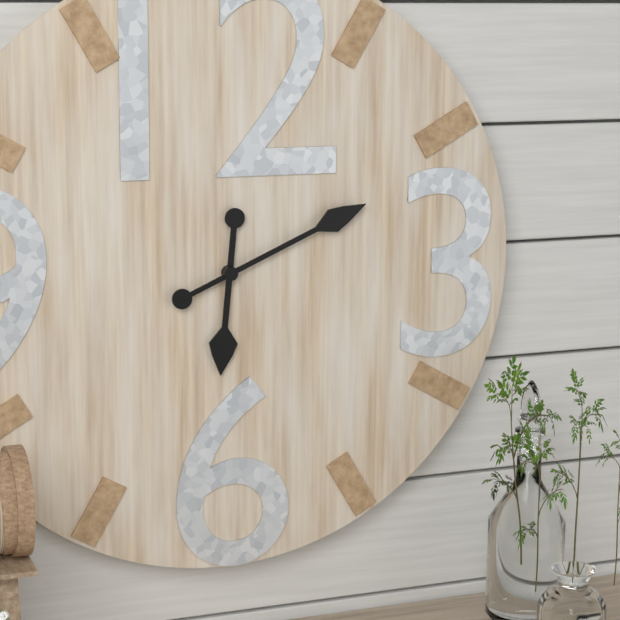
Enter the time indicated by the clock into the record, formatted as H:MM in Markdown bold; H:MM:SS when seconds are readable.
**6:11**
